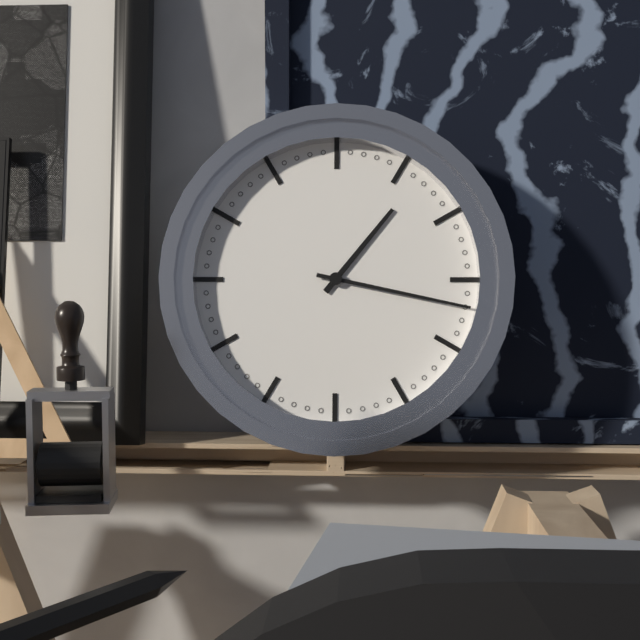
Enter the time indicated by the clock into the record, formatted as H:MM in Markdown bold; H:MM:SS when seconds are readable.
**1:17**
